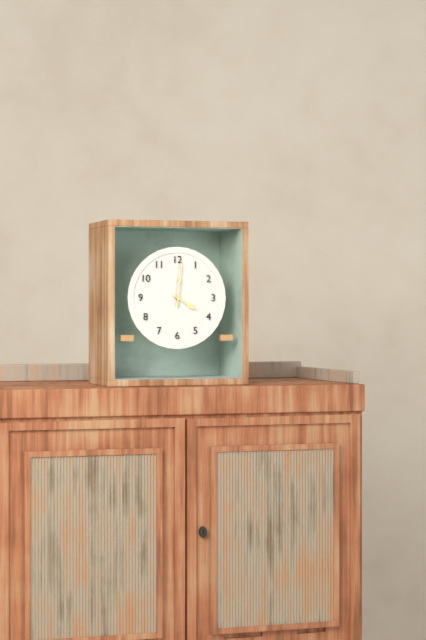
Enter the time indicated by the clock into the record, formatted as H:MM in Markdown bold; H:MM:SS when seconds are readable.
**4:01**
